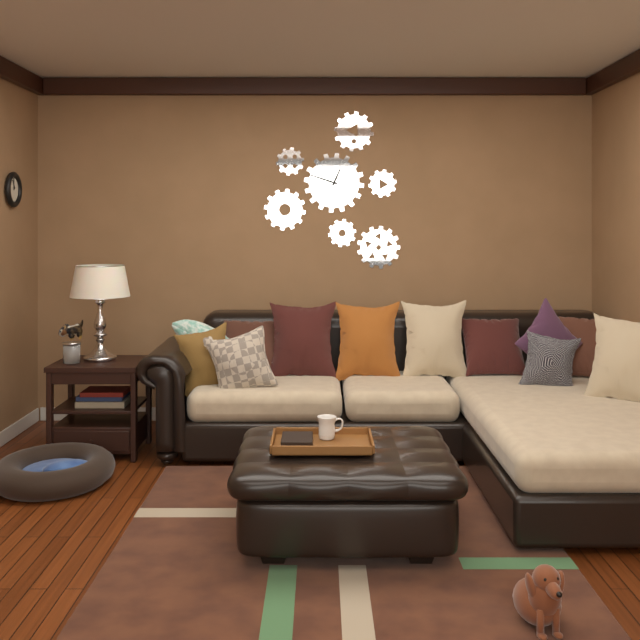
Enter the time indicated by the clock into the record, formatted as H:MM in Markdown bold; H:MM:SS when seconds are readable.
**12:48**
